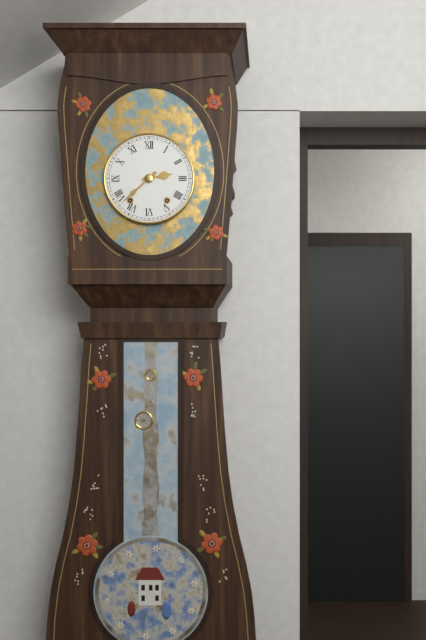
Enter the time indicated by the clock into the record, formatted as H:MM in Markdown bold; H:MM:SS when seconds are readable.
**2:38**
